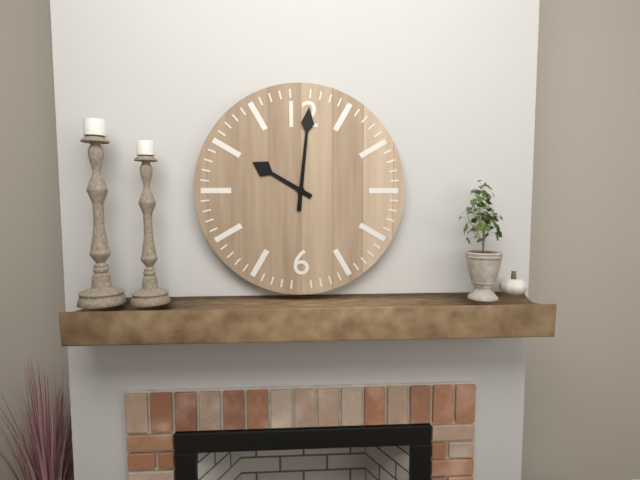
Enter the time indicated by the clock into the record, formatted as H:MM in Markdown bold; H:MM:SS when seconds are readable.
**10:01**
